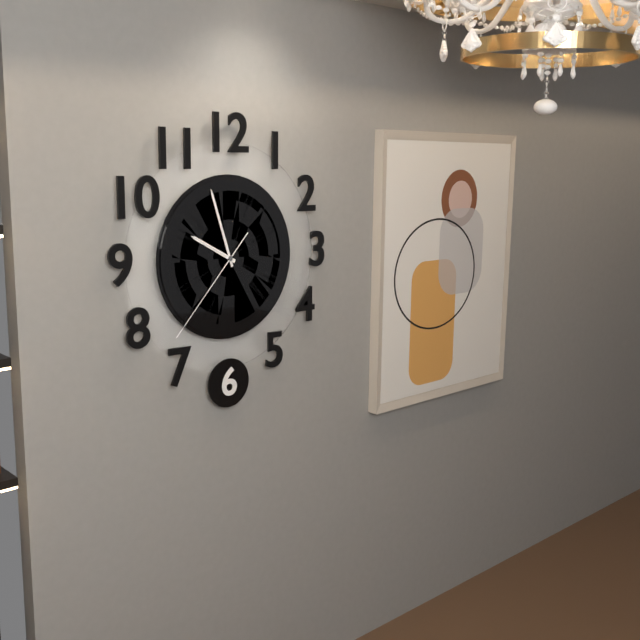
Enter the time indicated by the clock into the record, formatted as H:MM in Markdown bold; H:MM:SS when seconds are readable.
**9:57:37**
